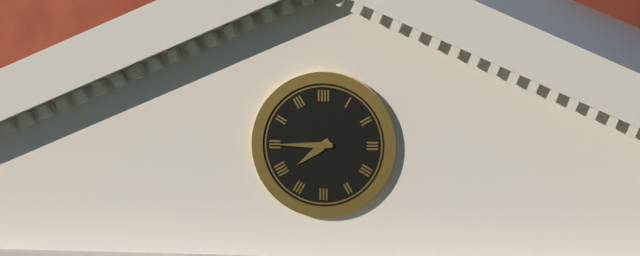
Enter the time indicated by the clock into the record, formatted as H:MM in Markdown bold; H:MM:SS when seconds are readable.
**7:45**
